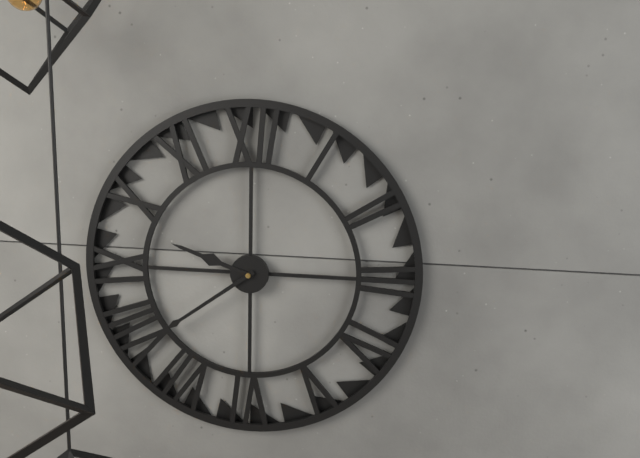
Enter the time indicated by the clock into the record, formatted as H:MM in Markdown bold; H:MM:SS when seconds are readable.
**9:39**
